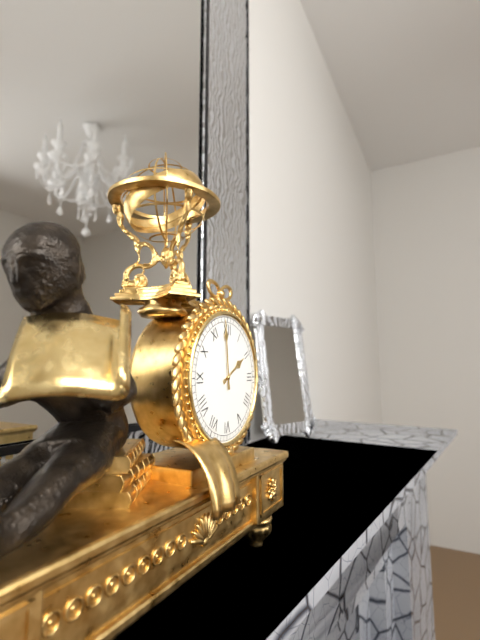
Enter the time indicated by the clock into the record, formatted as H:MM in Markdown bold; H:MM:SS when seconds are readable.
**1:59**
